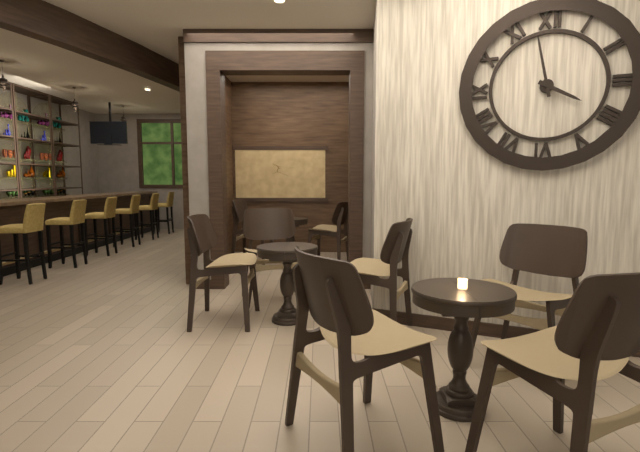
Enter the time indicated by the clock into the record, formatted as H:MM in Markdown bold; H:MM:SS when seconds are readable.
**3:58**
